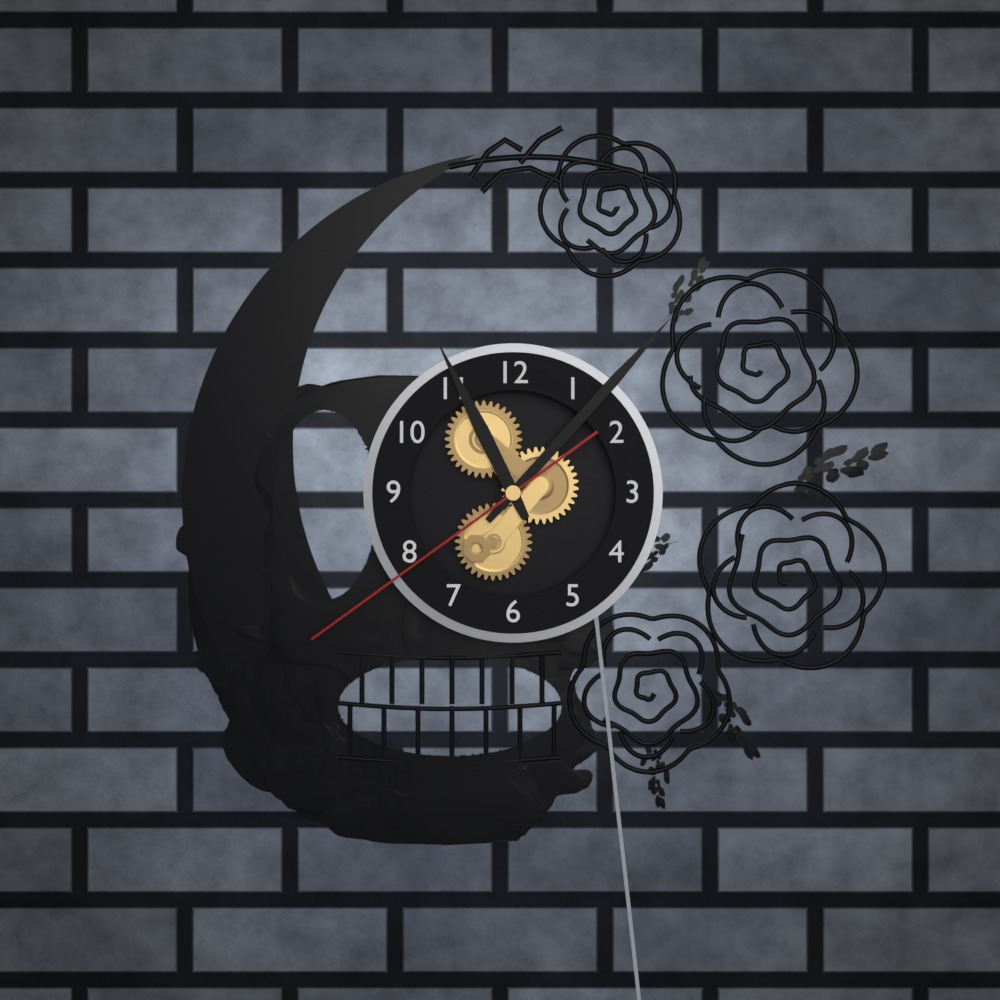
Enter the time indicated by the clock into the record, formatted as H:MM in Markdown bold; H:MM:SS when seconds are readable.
**11:07:39**
